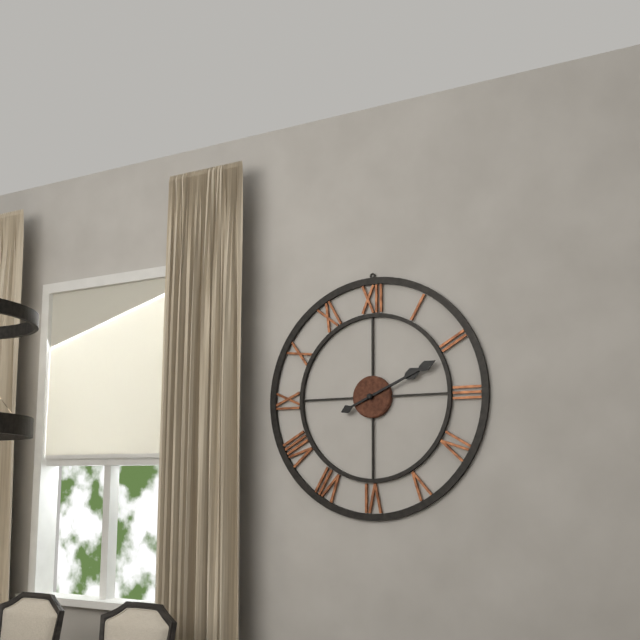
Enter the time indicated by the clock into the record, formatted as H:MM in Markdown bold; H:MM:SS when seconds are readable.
**2:11**
